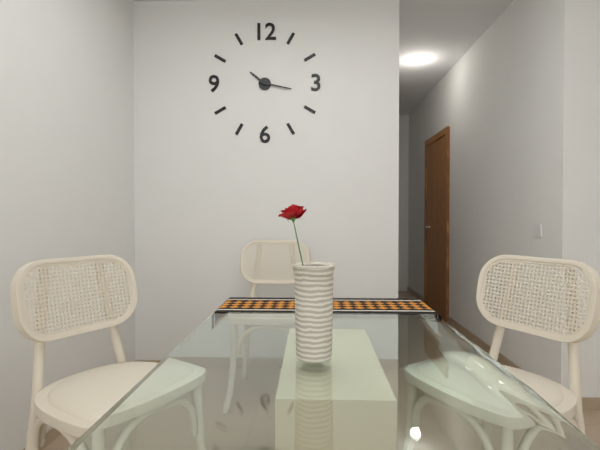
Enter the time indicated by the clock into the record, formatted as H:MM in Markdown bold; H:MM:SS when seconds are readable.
**10:17**
